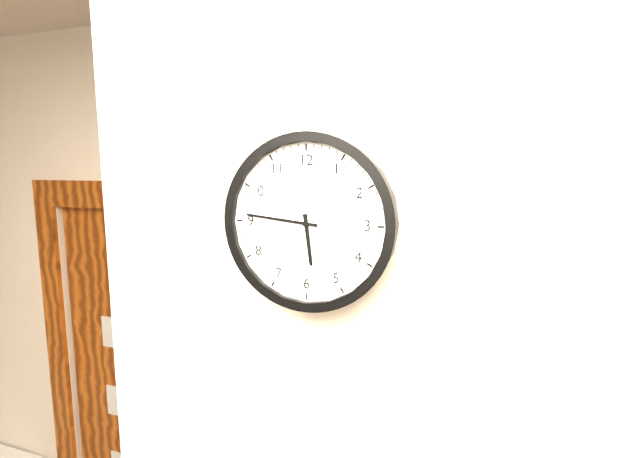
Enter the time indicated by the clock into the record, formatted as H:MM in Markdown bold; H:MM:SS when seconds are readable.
**5:46**
